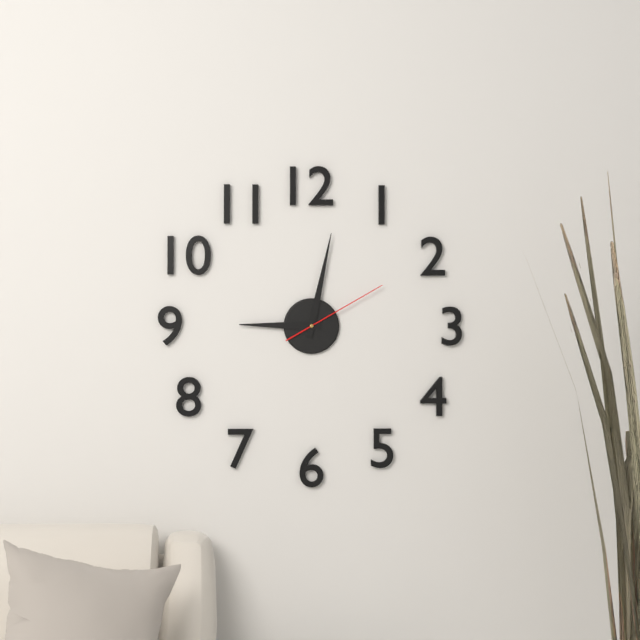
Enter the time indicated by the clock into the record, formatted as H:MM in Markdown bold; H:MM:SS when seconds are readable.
**9:02:10**
